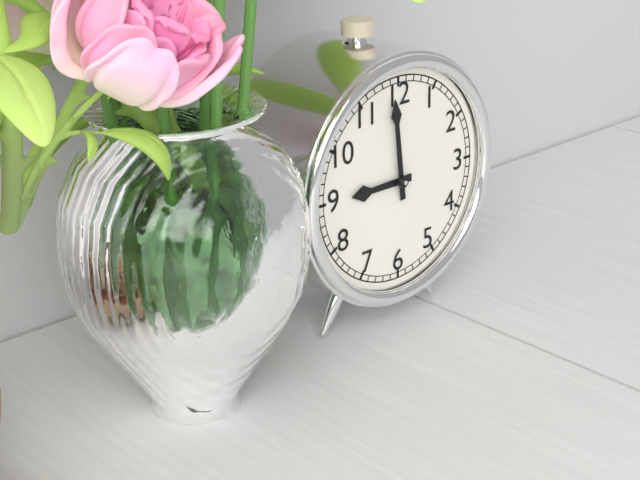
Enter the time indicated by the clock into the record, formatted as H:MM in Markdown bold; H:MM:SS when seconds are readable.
**8:59**
